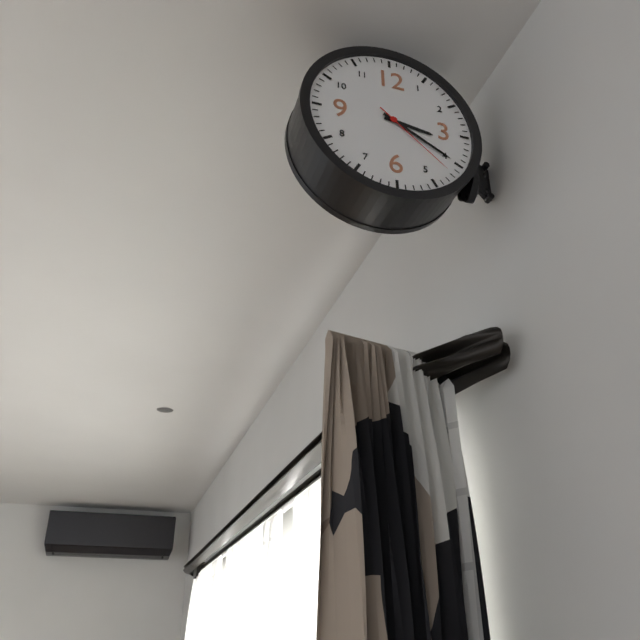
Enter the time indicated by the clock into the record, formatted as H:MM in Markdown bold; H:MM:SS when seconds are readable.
**3:20:22**
